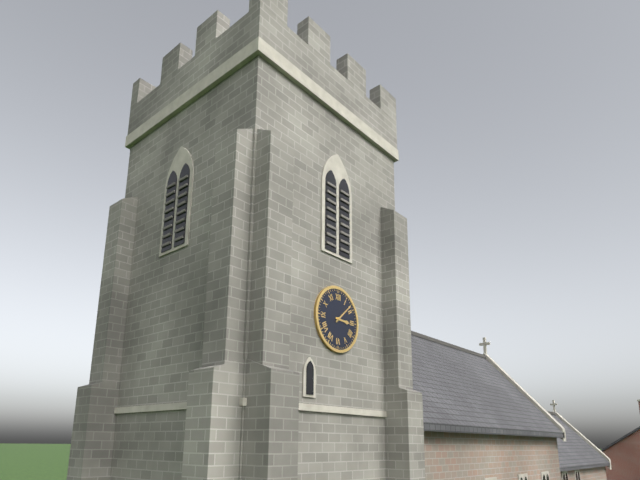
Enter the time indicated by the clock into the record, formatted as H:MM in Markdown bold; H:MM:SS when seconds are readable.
**3:08**
